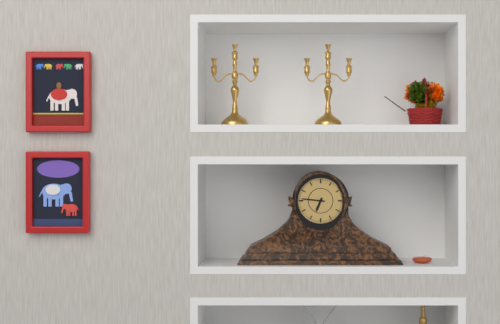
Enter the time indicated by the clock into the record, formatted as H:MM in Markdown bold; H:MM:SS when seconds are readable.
**6:46**
